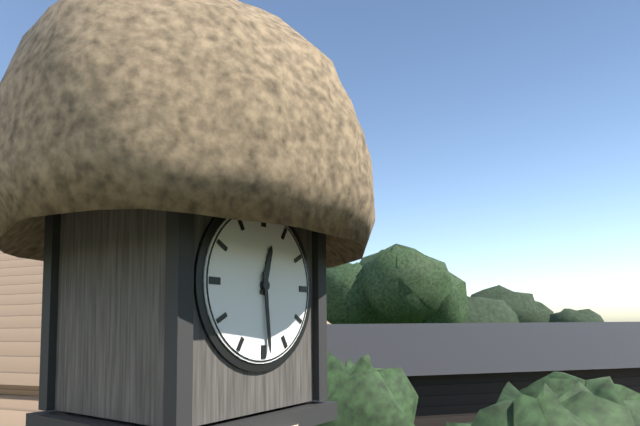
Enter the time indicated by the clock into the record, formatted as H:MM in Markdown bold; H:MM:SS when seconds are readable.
**12:29**
